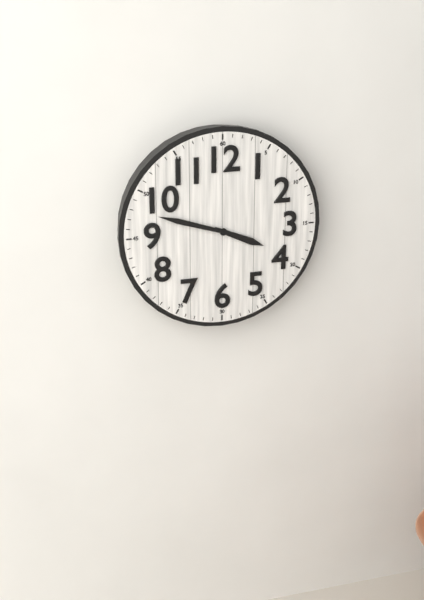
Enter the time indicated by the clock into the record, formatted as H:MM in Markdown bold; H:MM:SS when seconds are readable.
**3:48**
